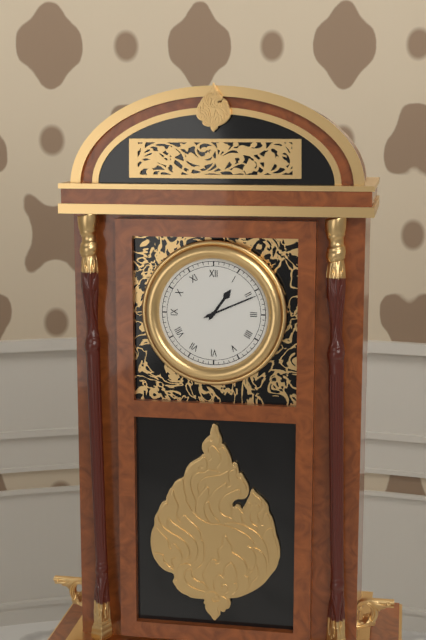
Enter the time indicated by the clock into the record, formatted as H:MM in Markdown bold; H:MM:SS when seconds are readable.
**1:11**
